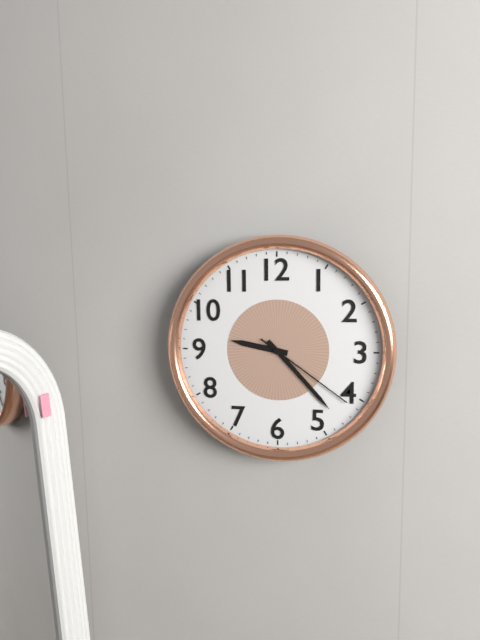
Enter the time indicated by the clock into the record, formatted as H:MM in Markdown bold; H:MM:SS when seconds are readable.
**9:23:21**
